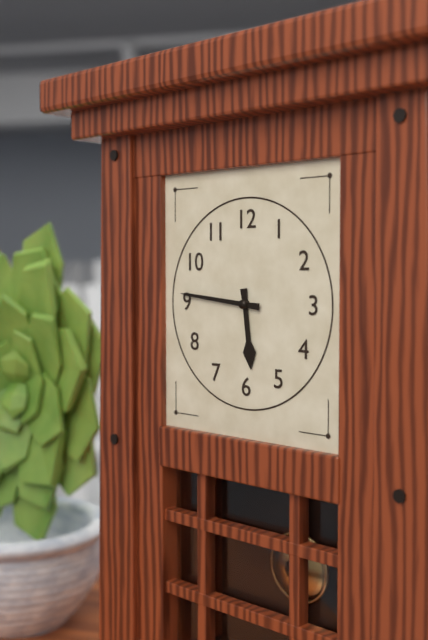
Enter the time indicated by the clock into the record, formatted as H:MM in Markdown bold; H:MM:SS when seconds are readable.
**5:46**
